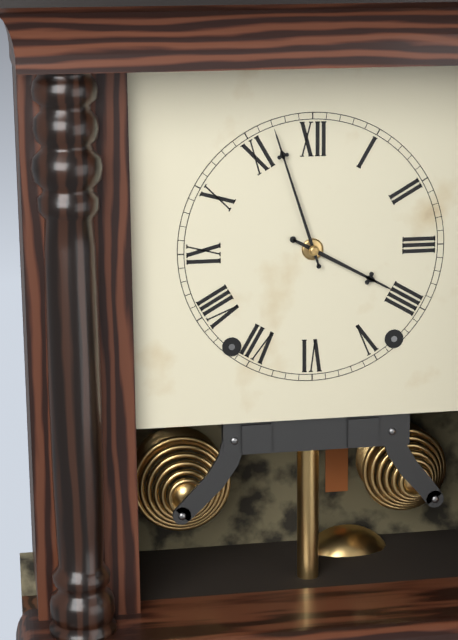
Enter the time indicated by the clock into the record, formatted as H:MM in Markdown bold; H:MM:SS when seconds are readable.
**3:57**
